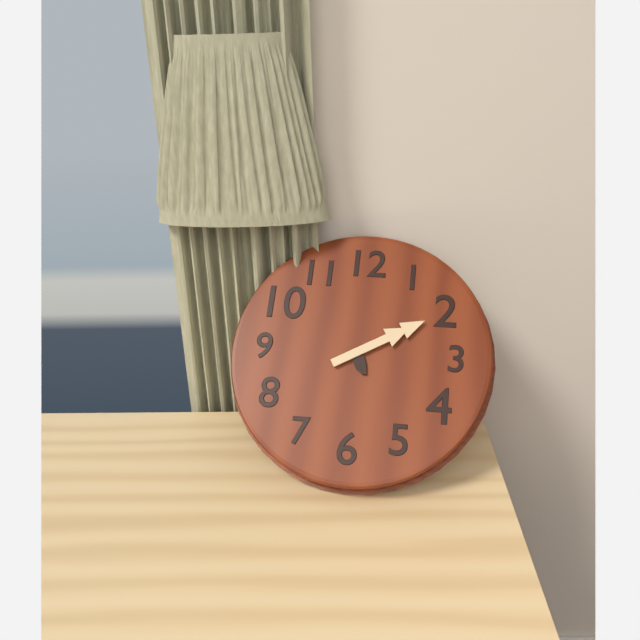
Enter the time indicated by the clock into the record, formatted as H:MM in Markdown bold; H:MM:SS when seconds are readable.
**5:10**
